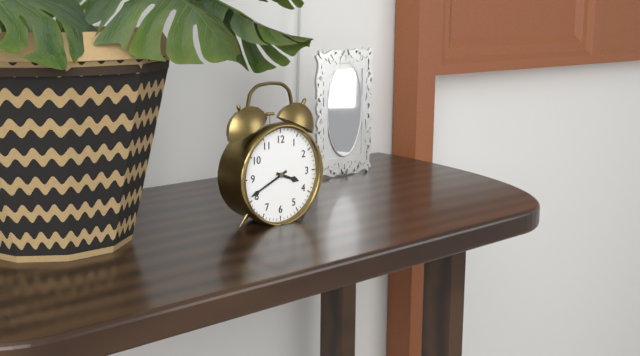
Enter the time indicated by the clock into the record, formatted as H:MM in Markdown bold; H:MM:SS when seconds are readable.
**3:41**
